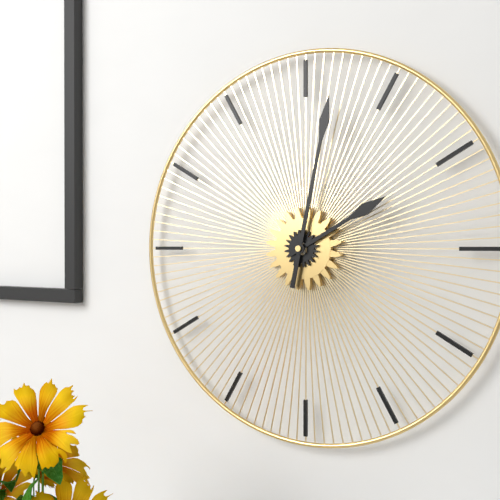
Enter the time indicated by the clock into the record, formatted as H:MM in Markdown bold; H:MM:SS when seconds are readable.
**2:02**
